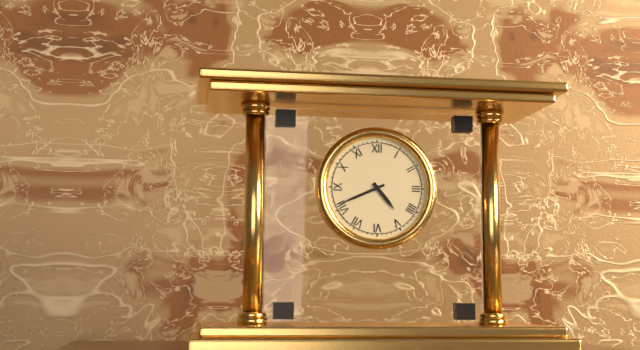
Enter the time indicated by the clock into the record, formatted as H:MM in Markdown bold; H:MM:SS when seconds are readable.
**4:41**
